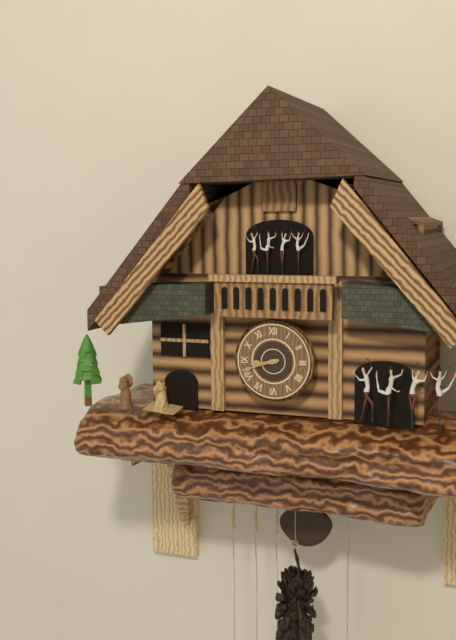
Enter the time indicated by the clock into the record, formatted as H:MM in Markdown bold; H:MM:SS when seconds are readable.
**8:42**
